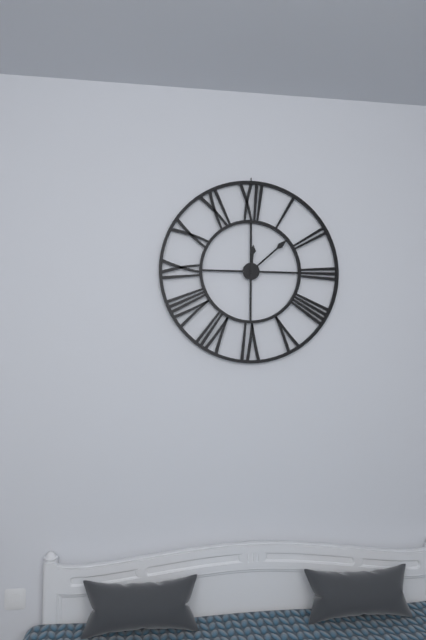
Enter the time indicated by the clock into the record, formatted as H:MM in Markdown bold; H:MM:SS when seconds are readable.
**12:08**
